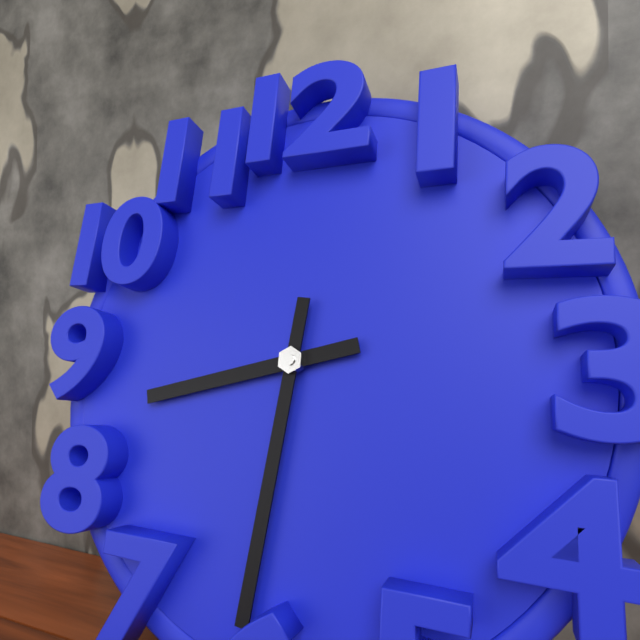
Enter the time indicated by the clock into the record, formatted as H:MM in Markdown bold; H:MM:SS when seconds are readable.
**8:31**
